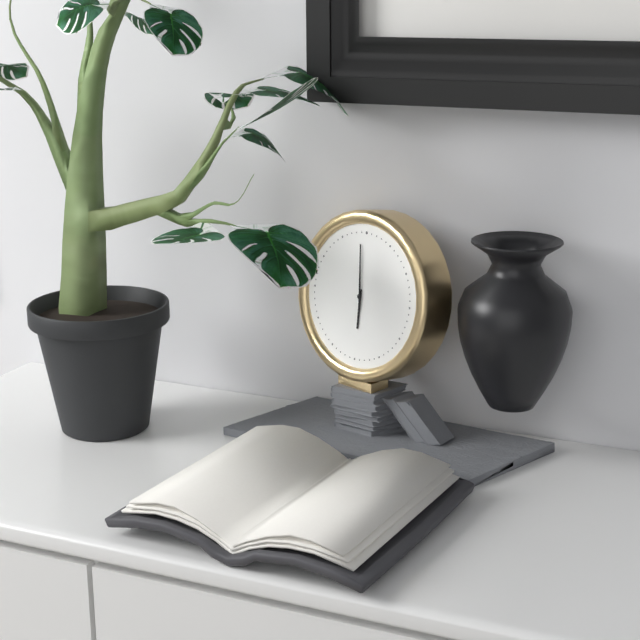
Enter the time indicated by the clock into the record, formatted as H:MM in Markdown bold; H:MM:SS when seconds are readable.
**5:59**
